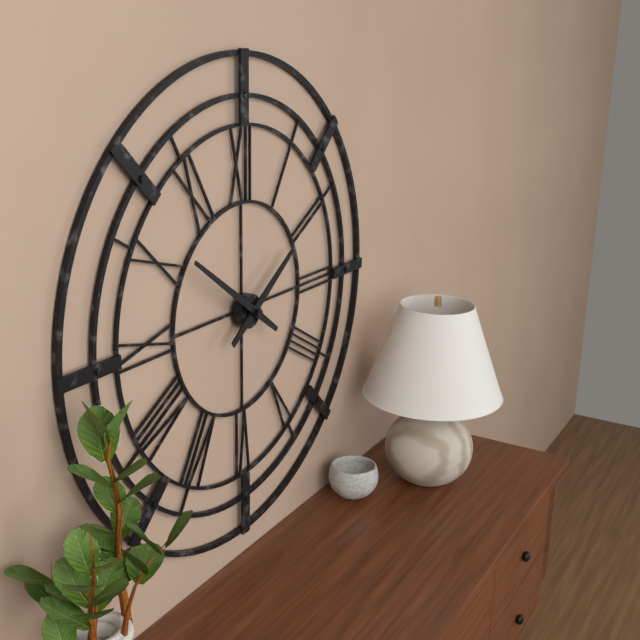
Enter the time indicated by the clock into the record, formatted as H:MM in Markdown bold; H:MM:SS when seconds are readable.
**1:51**
